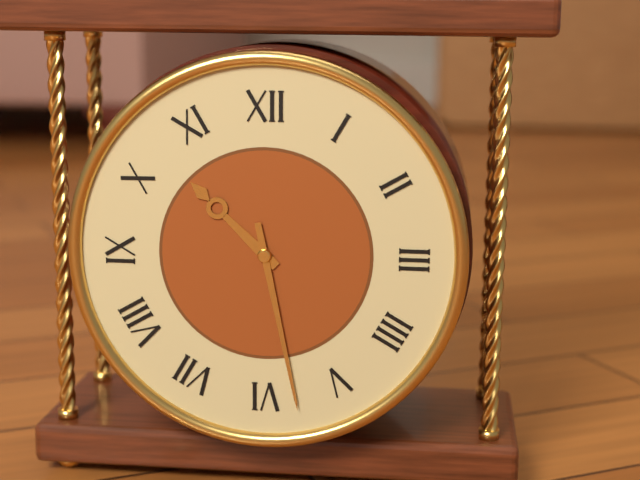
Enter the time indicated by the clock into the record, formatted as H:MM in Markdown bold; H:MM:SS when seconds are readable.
**10:28**
